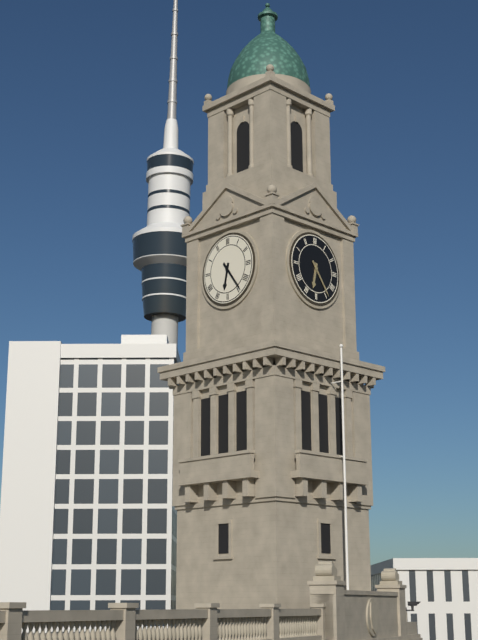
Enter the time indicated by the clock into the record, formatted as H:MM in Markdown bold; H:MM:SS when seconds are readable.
**6:24**
